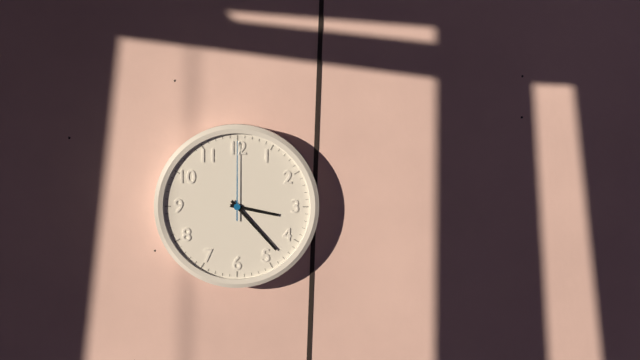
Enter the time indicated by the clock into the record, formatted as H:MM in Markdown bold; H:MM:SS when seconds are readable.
**3:23:00**
